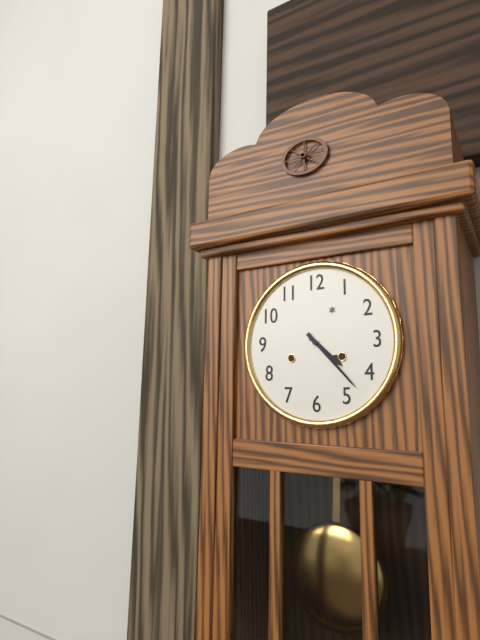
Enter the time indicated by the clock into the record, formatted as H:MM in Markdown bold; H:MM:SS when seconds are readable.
**4:23**
